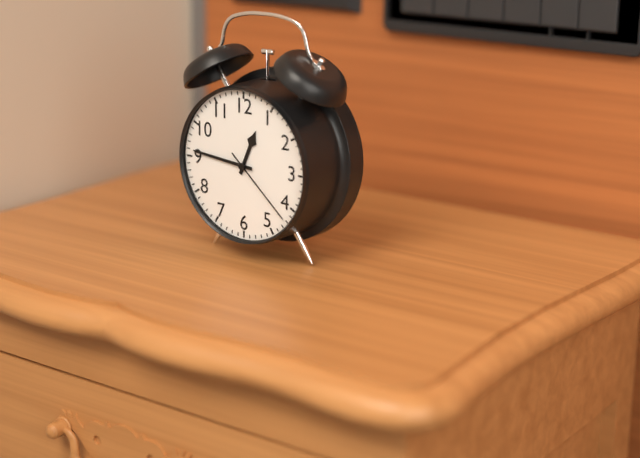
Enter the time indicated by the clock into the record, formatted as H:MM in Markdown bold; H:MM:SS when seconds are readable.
**12:46:22**
